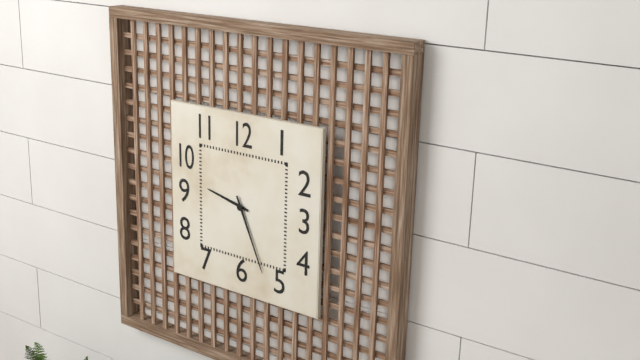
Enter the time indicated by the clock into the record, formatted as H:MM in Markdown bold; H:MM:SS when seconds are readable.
**9:26**
